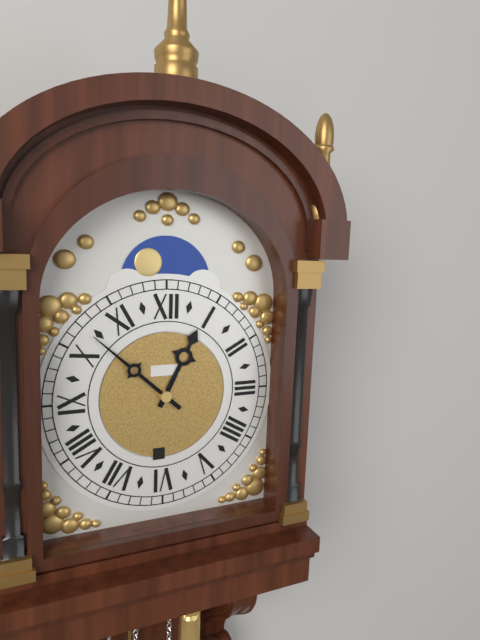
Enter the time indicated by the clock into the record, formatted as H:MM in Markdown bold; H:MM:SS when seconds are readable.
**12:52**
